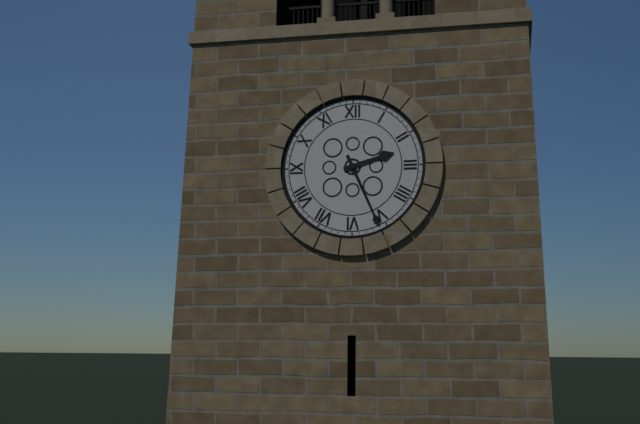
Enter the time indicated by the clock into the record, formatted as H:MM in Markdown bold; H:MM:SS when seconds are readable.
**2:26**
